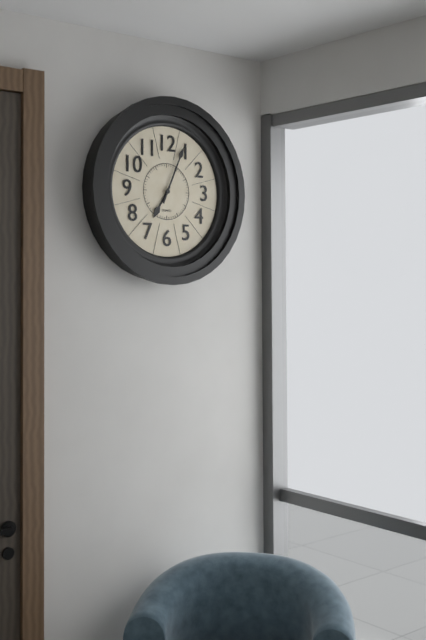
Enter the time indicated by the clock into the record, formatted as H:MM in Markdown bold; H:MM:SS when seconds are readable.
**7:04**
